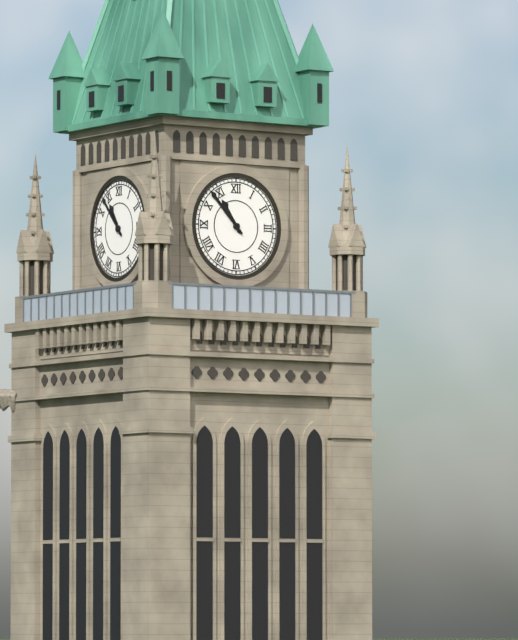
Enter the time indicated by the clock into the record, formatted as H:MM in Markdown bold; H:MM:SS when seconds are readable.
**10:53**
